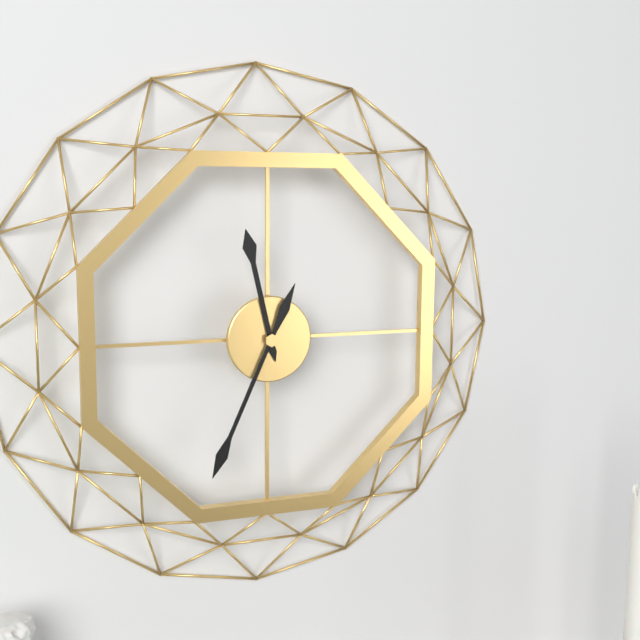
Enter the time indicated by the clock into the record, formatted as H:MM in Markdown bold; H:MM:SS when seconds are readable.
**11:34**
